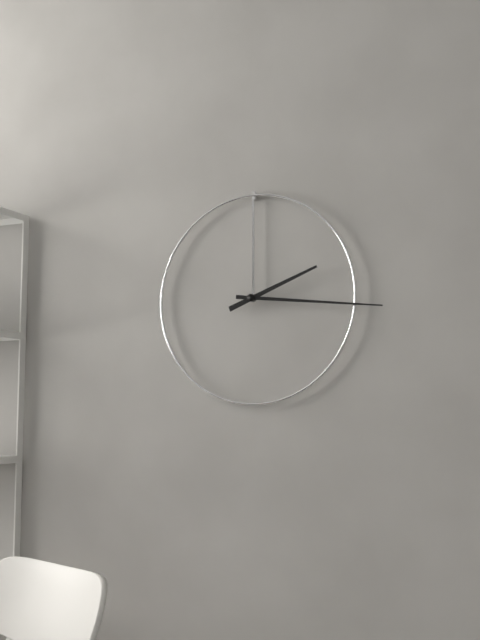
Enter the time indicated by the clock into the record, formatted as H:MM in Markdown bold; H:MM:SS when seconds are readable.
**2:16**
